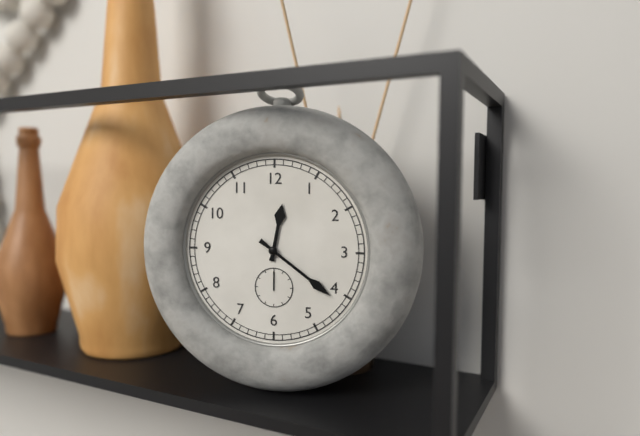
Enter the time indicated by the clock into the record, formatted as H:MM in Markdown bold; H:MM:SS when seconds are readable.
**12:21**
